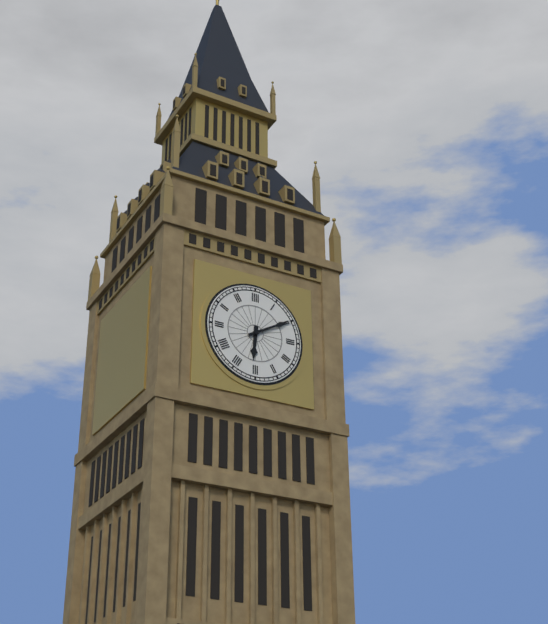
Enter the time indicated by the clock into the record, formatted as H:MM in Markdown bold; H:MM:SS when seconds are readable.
**6:10**
